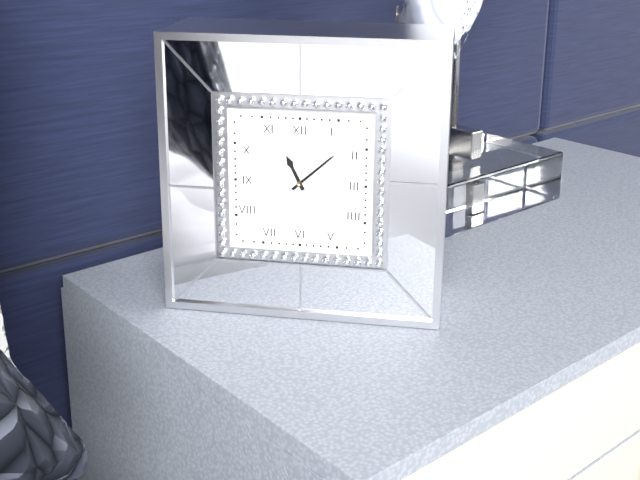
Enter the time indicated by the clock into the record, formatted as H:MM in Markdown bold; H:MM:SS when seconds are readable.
**11:08**
